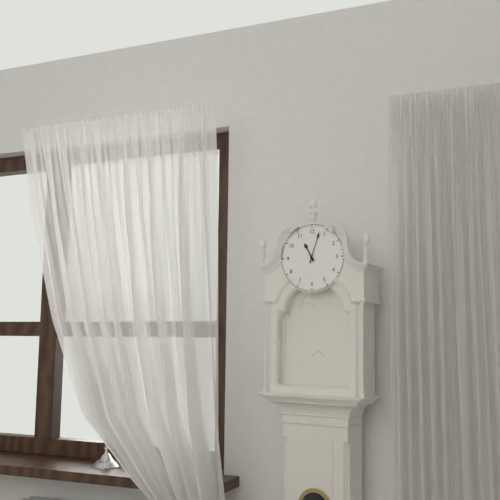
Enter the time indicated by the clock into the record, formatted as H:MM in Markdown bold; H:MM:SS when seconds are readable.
**11:03**
